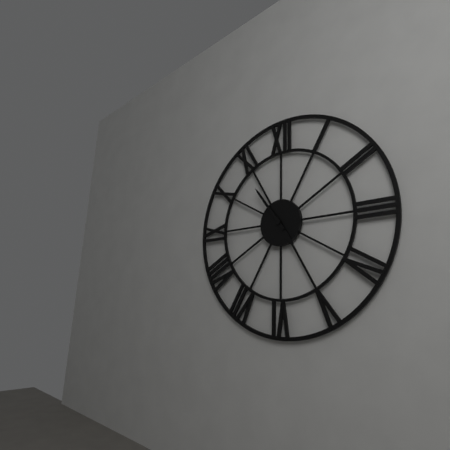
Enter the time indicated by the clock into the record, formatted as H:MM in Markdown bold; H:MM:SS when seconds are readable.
**4:54**
